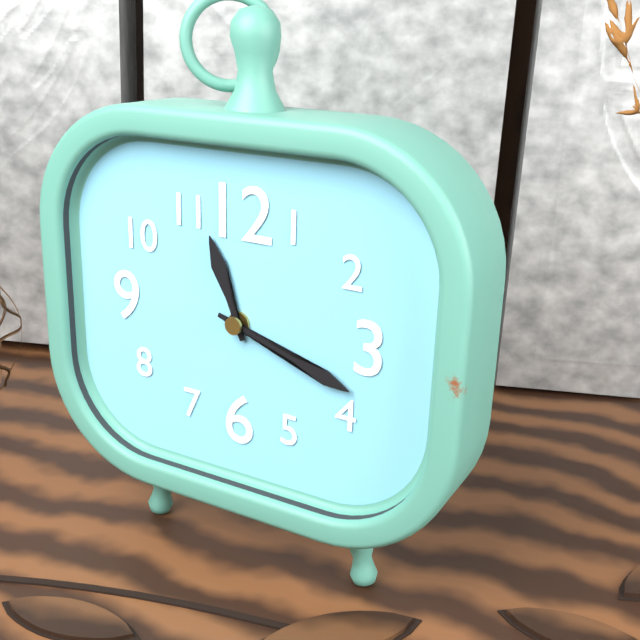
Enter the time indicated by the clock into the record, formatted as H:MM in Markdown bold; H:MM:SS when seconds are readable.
**11:18**
